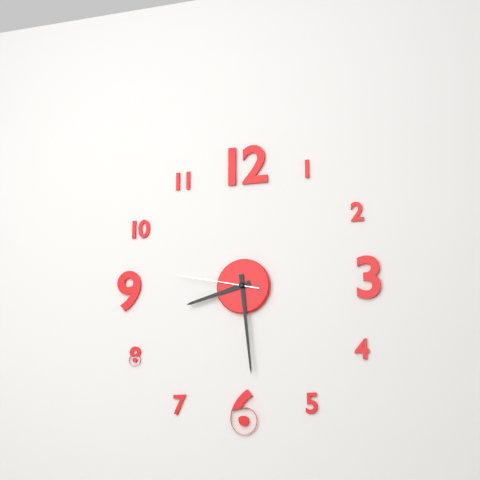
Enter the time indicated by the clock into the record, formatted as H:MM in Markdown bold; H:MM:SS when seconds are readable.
**8:29:47**
